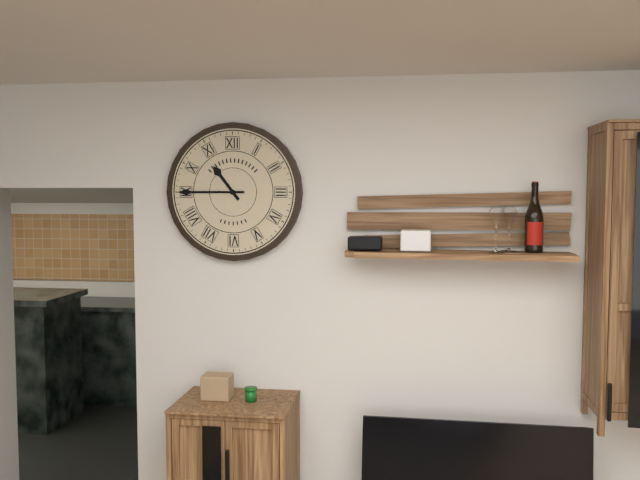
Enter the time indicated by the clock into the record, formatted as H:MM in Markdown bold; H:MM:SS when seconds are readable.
**10:45**
